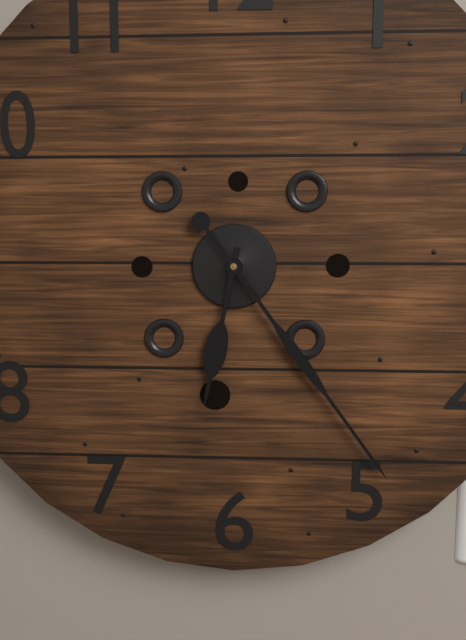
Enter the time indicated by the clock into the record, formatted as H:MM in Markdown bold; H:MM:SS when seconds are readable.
**6:24**
